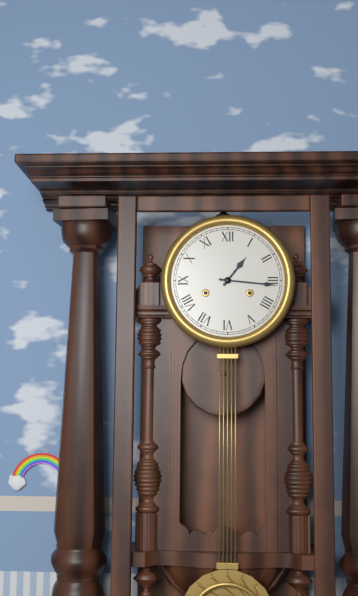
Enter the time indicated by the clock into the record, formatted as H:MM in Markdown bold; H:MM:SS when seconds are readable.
**1:16**
